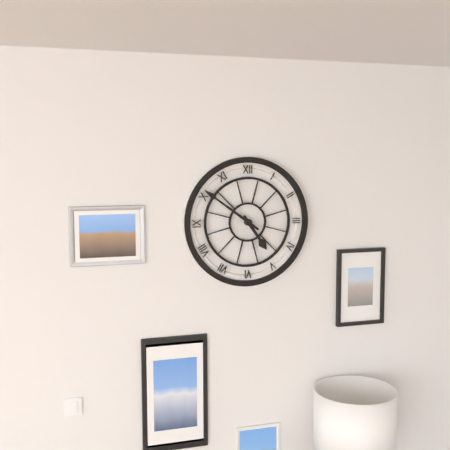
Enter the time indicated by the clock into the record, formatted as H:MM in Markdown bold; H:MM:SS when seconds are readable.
**4:51**
